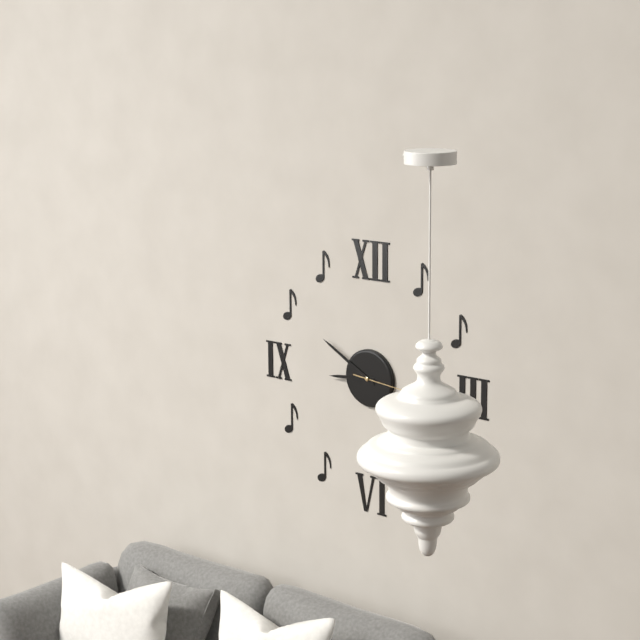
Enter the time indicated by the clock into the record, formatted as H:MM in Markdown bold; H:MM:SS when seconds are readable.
**8:50**
